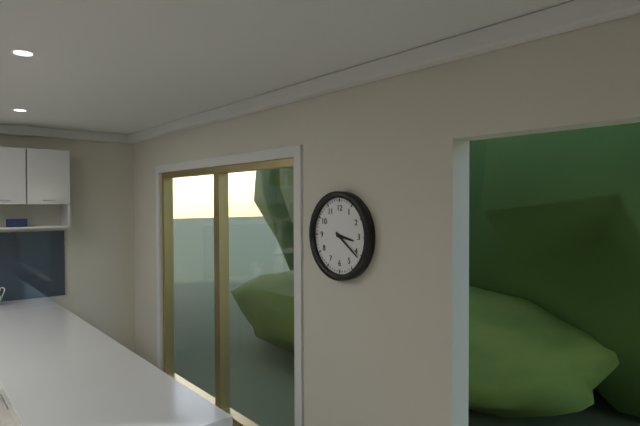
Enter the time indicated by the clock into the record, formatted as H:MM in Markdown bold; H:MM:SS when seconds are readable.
**3:21**
